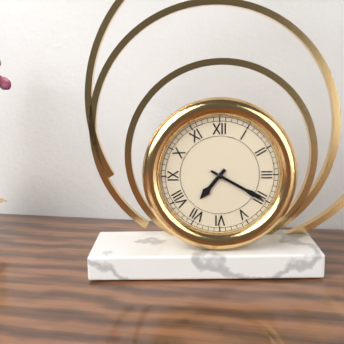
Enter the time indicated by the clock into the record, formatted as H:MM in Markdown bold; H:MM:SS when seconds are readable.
**7:20**
